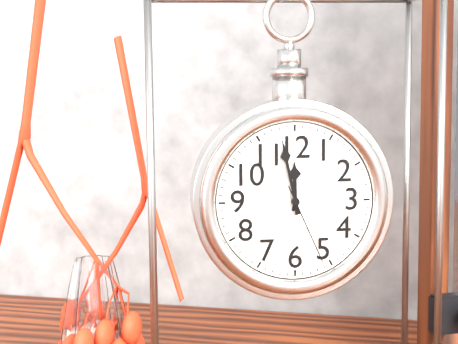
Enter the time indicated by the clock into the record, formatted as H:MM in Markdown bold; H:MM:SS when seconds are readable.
**11:58:26**
